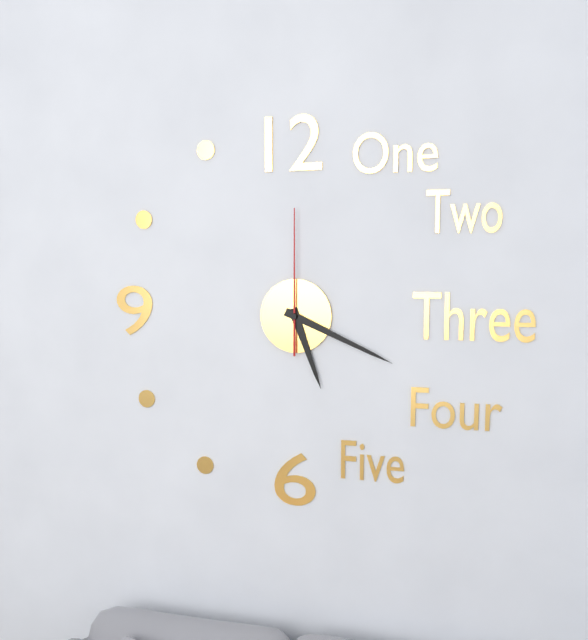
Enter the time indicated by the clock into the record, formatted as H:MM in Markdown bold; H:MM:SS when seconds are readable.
**5:19:00**
